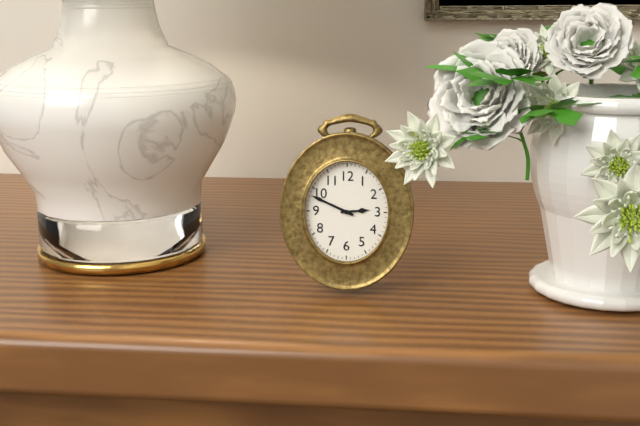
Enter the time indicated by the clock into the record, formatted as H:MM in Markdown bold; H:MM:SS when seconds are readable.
**2:49**
